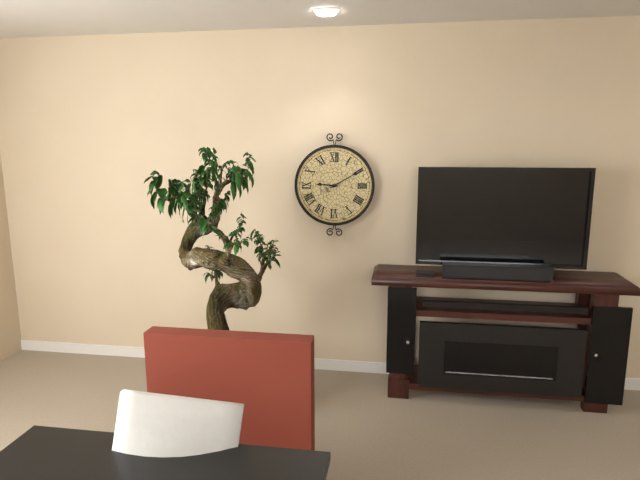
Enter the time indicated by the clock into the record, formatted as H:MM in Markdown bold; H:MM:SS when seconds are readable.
**9:10**
